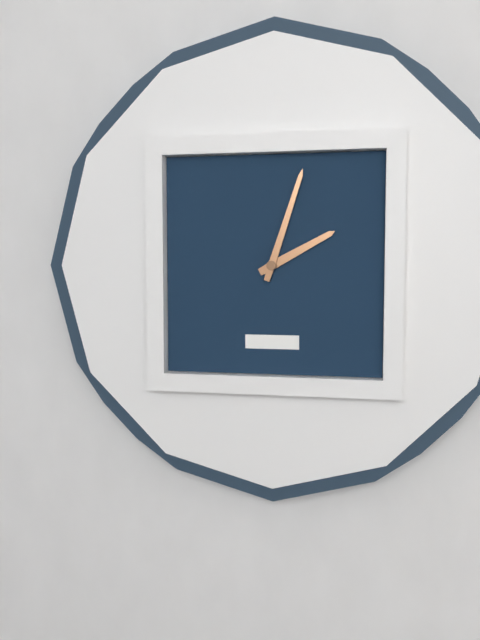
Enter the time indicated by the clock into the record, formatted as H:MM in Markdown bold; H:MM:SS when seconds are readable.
**2:03**
